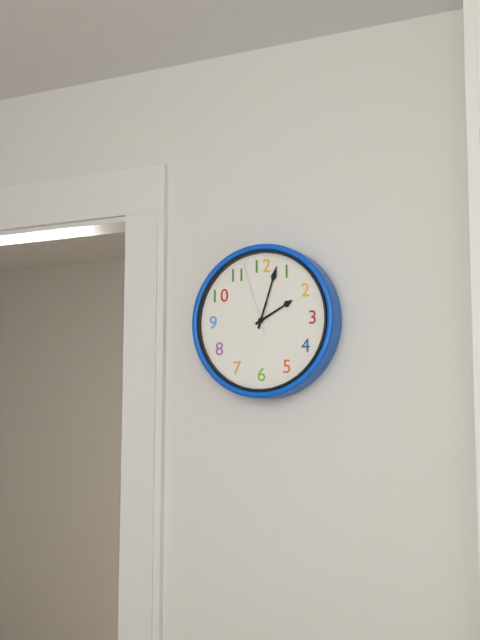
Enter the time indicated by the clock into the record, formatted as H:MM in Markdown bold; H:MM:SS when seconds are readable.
**2:03:57**
